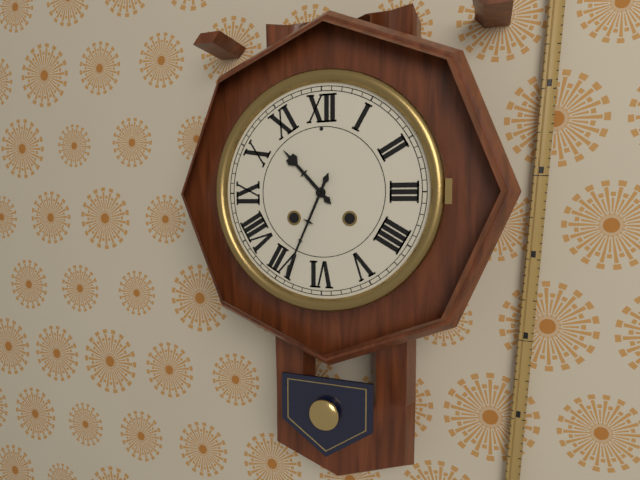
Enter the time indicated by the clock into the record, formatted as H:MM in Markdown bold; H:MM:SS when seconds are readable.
**10:34**
